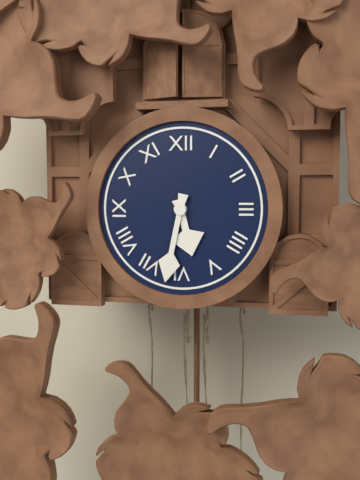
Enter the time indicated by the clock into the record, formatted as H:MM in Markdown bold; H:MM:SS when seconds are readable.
**5:32**
